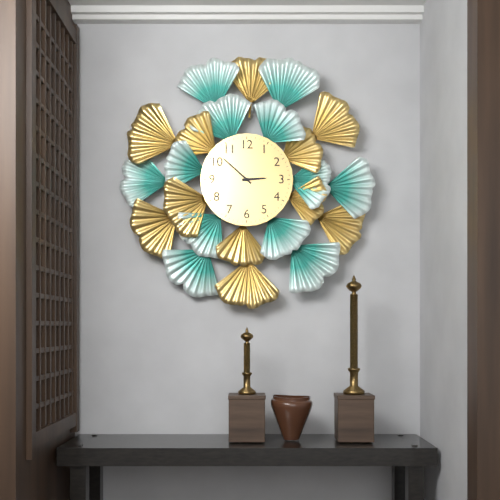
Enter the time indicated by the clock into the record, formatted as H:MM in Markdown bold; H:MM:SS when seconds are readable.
**2:52**
